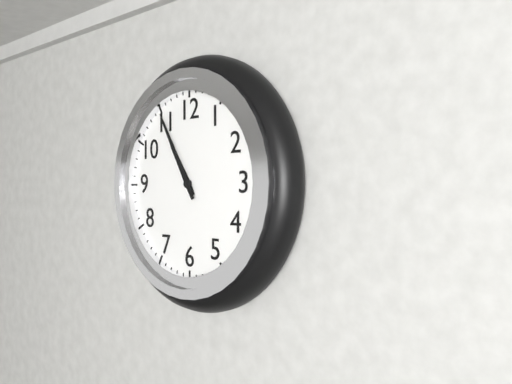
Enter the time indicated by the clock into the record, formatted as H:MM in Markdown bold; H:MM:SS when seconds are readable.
**10:55**
